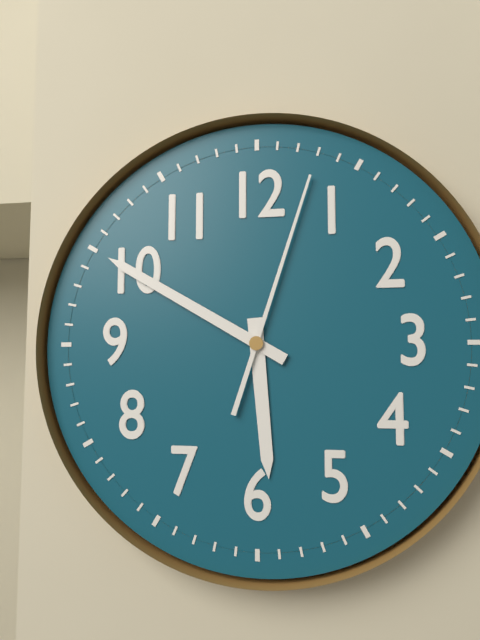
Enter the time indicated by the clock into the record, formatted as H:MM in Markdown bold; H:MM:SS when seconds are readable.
**5:50:03**
